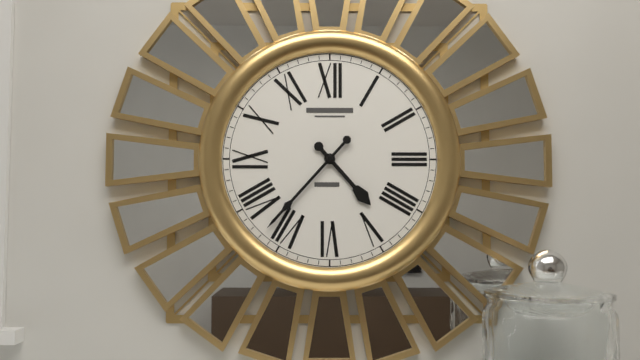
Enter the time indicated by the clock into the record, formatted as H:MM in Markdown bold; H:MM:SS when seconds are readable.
**4:37**
